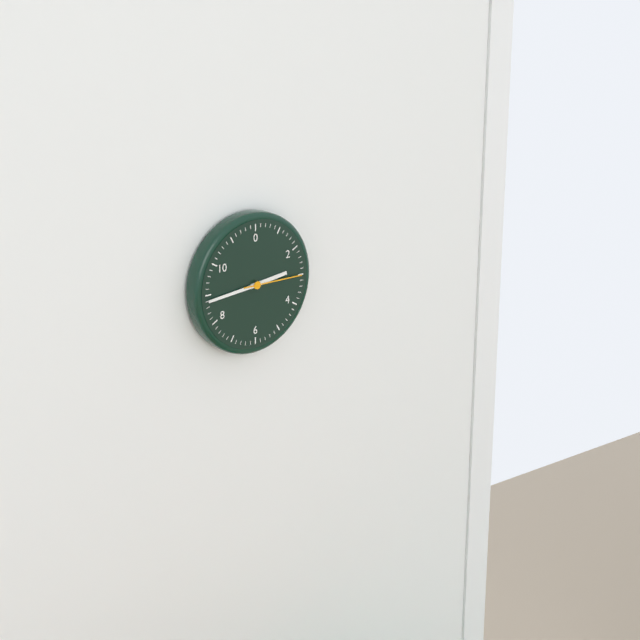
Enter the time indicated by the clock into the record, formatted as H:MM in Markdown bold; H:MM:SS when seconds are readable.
**2:44:15**
